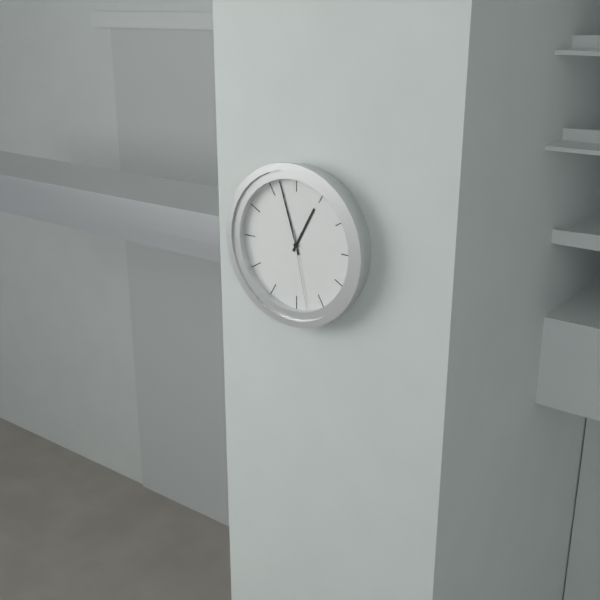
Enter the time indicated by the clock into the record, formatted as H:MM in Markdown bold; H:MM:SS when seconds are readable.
**12:57:28**
